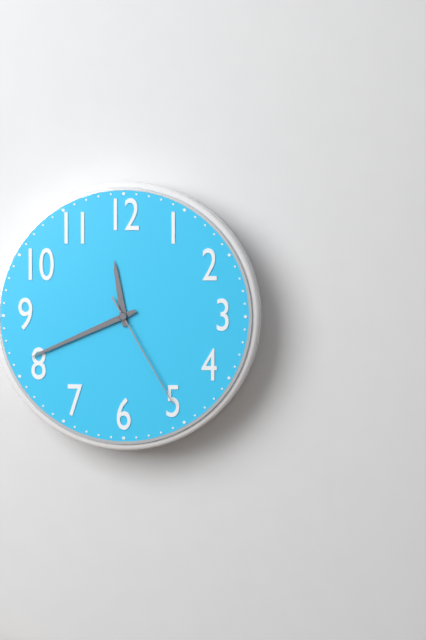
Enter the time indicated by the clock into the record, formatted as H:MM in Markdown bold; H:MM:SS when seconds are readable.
**11:41:25**
